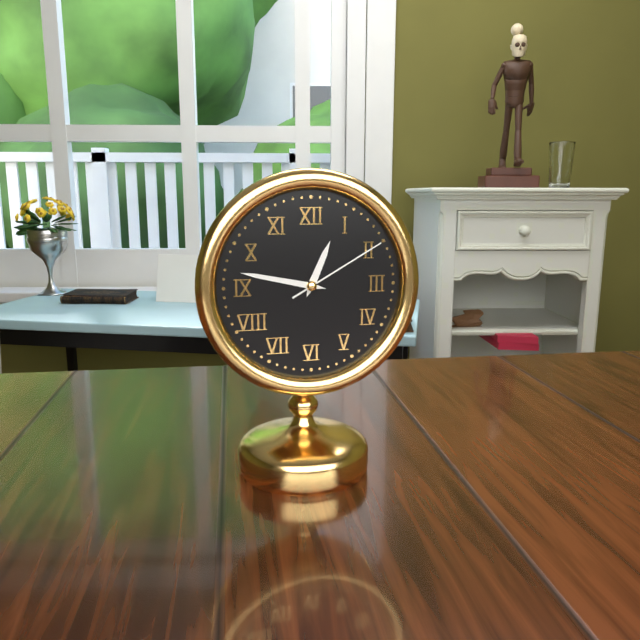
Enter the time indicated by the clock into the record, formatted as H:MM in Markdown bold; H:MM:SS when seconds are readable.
**12:47:10**
